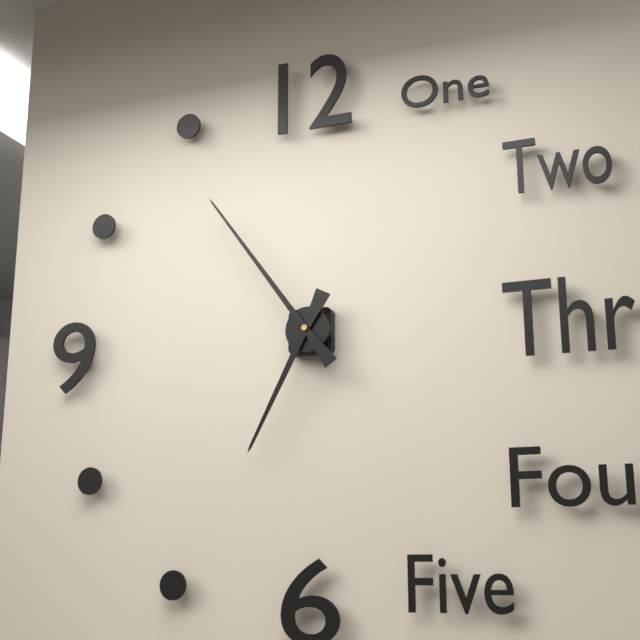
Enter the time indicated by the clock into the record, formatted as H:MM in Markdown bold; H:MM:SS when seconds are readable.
**6:54**
